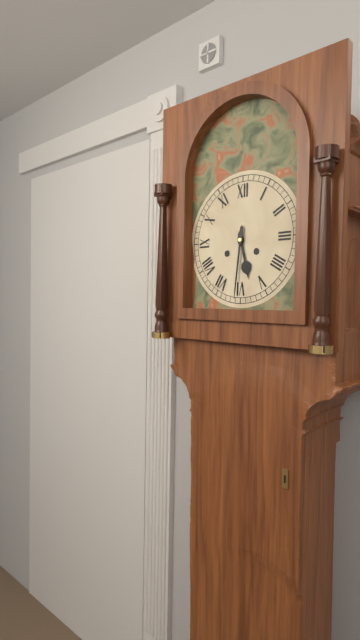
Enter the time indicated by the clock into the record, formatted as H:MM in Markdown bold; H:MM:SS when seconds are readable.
**5:31**
